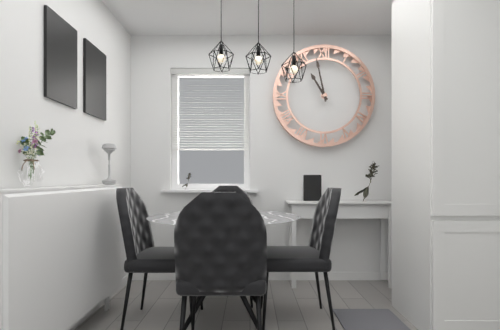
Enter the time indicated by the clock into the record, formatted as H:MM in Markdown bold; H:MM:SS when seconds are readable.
**10:58**
